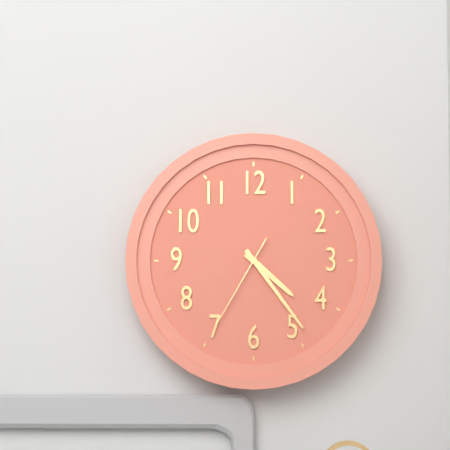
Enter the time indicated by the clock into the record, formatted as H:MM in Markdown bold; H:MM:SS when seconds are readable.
**4:24:35**
